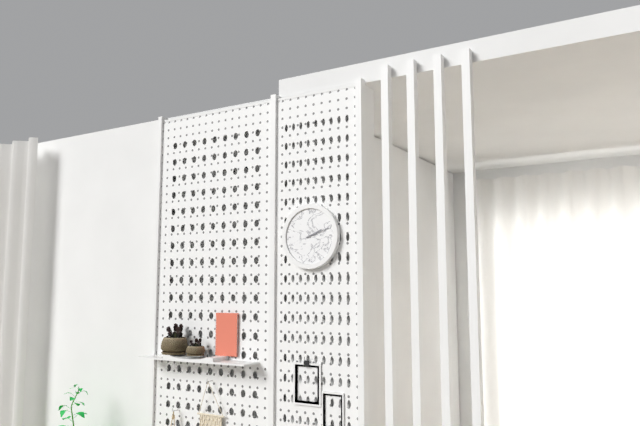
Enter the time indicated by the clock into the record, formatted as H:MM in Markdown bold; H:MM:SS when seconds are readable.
**2:12**
